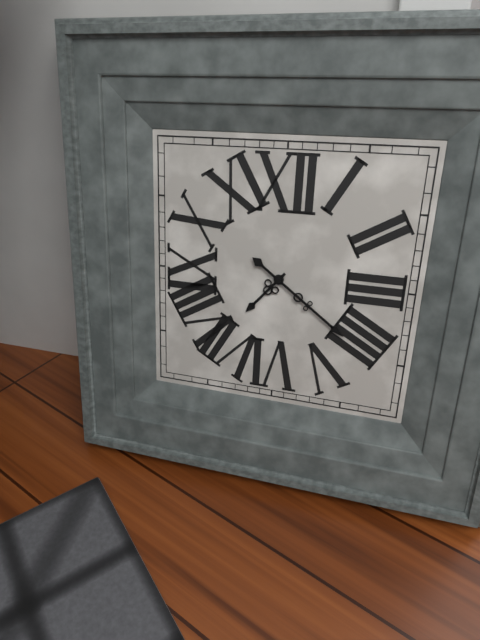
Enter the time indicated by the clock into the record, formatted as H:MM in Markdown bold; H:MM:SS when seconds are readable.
**7:21**
